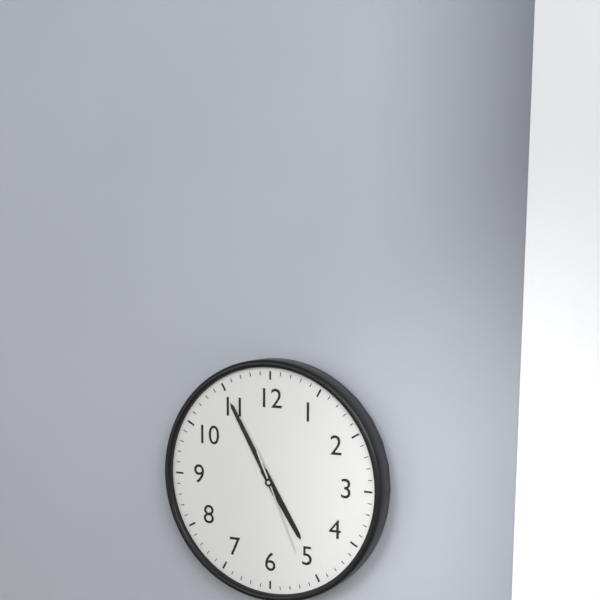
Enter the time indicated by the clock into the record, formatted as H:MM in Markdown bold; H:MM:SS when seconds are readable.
**4:55:26**
